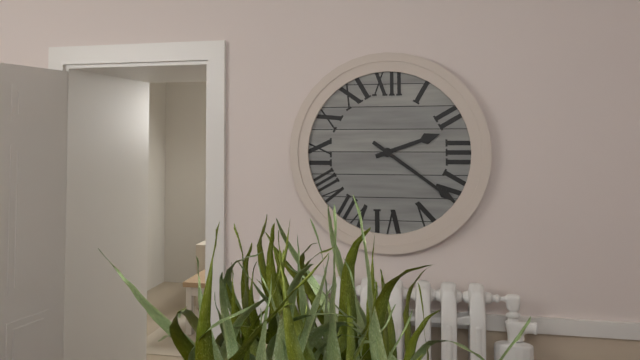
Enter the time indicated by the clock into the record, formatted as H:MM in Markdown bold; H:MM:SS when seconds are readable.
**2:21**
